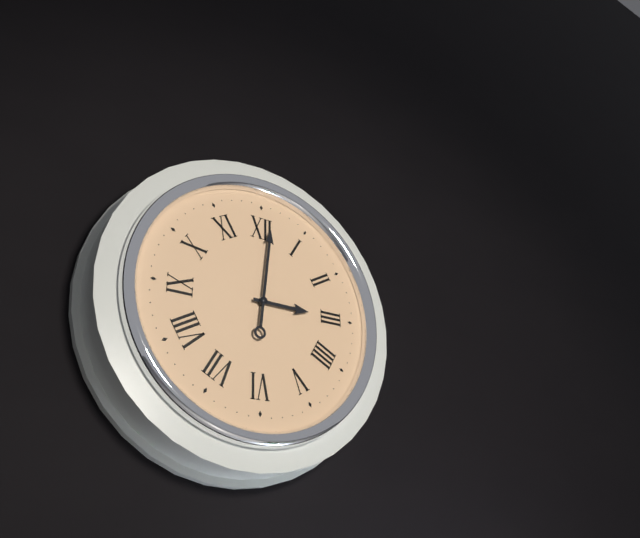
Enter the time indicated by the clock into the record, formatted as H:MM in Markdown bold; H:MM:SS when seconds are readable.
**3:01**
